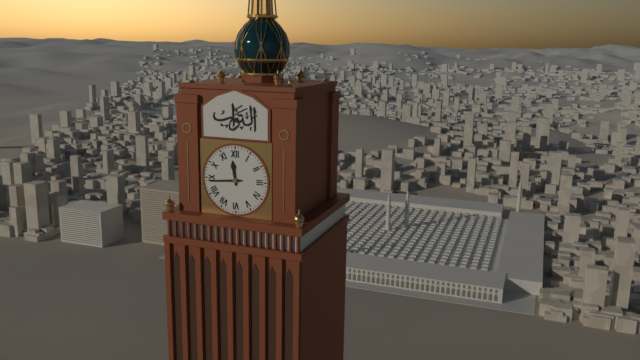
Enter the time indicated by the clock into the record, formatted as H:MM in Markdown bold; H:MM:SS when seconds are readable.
**11:44**
